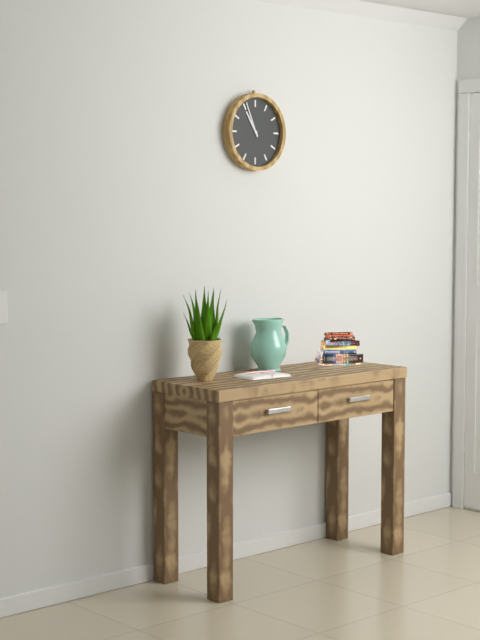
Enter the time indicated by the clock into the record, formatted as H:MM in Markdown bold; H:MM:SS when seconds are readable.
**10:56**
